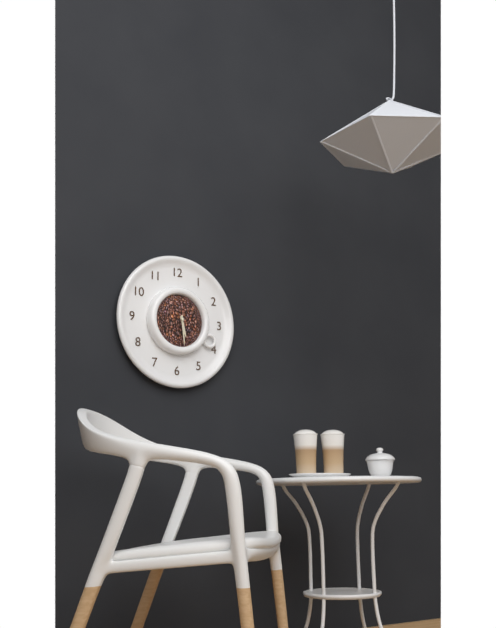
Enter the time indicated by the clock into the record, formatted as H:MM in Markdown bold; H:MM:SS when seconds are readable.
**5:29**
